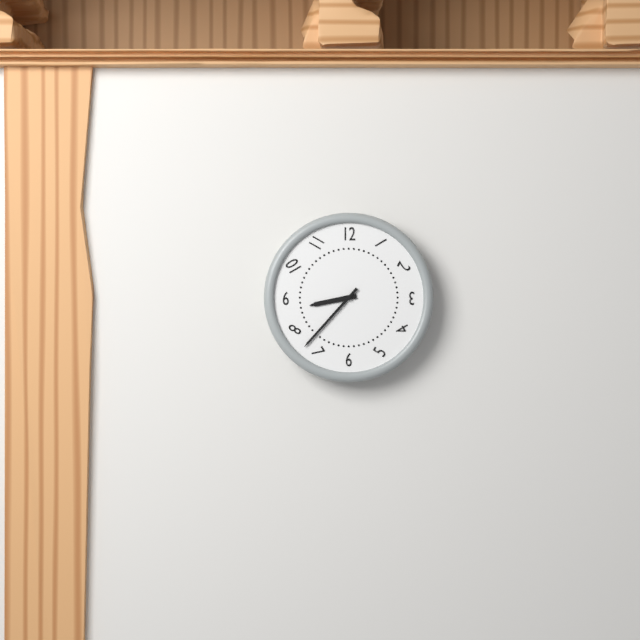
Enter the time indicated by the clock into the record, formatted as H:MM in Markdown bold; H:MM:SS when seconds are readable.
**8:37**
